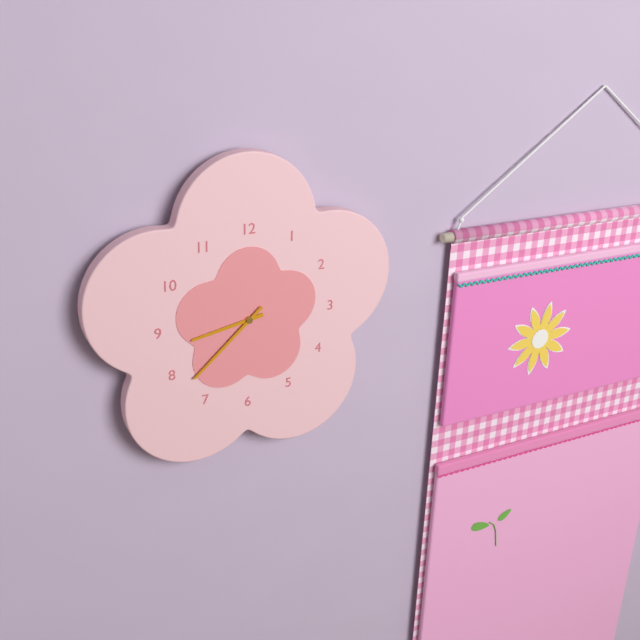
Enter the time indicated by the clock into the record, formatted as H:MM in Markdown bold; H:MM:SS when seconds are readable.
**8:38**
